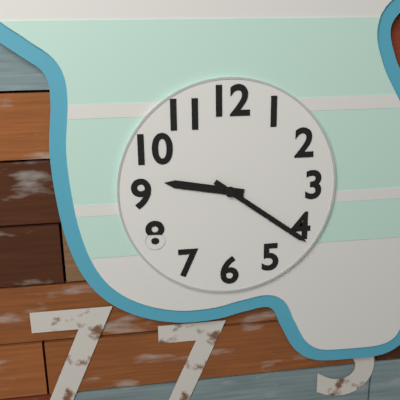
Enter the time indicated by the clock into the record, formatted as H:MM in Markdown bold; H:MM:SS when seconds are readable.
**9:21**
